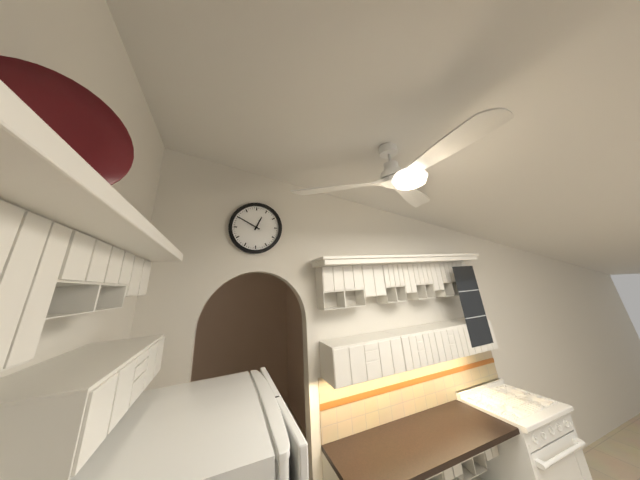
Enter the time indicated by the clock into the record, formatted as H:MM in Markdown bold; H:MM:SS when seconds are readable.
**12:50**
